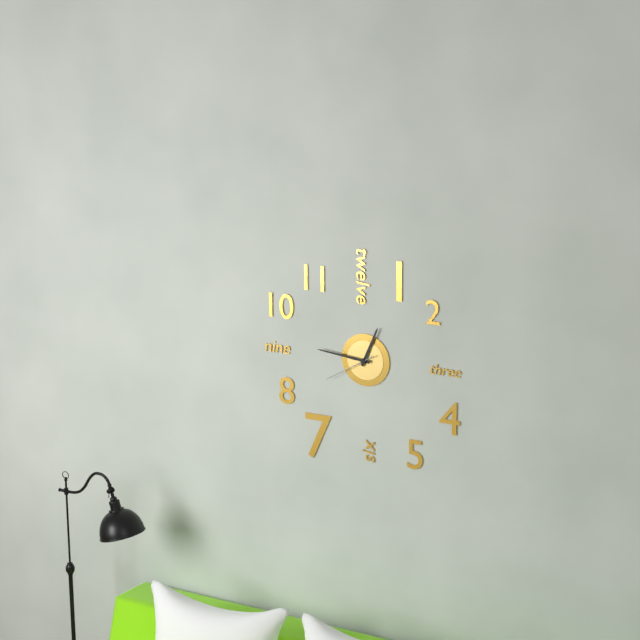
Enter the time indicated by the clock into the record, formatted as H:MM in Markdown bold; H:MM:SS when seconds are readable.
**12:46:40**
